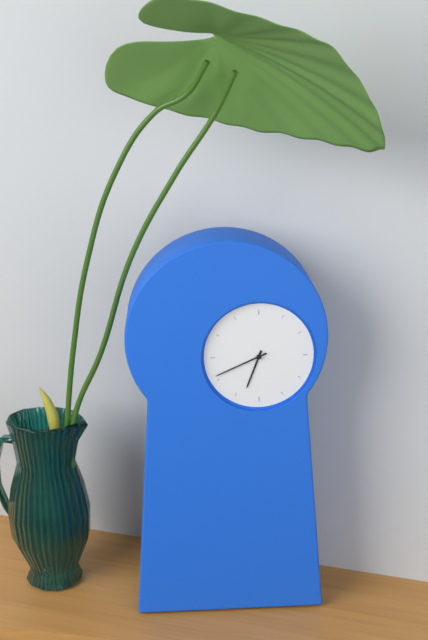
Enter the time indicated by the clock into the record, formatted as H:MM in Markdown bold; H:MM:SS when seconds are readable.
**6:41**
